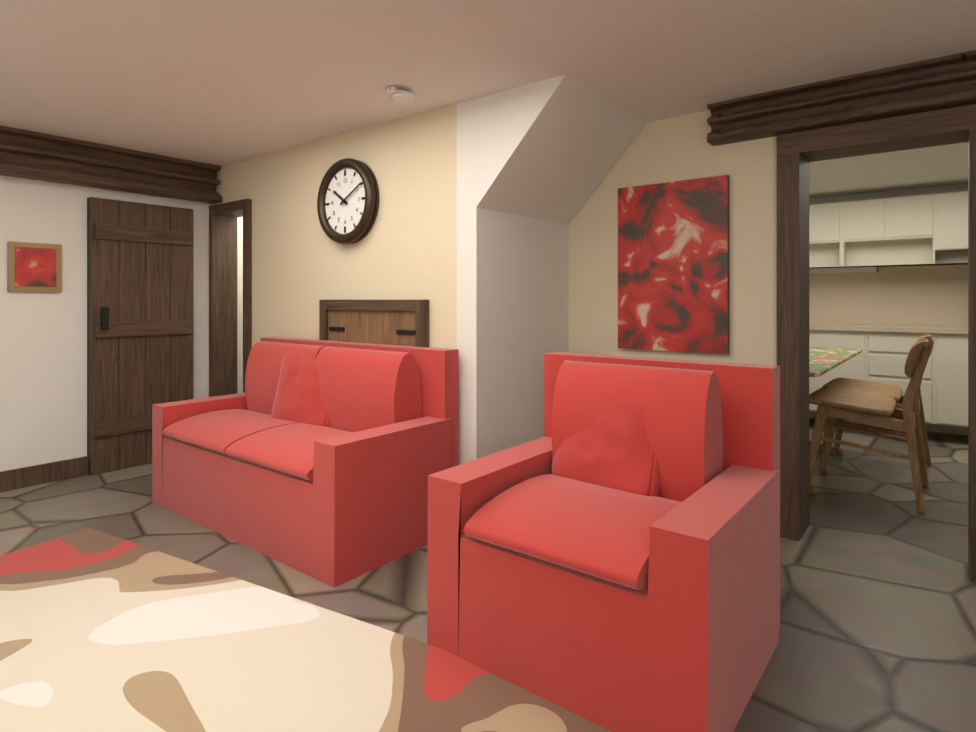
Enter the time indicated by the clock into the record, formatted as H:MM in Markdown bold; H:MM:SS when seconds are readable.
**10:10**
